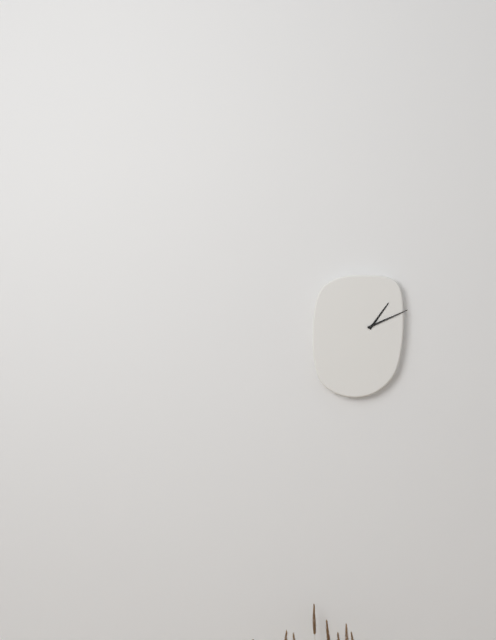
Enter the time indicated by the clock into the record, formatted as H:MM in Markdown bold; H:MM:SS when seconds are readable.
**1:11**
